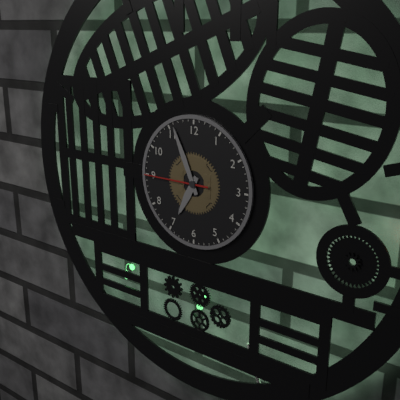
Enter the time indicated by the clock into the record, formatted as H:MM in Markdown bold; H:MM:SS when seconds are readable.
**6:56:45**
